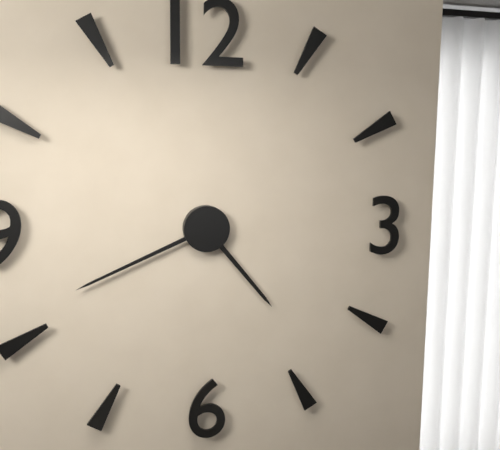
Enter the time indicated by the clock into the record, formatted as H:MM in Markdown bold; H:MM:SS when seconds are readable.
**4:41**
